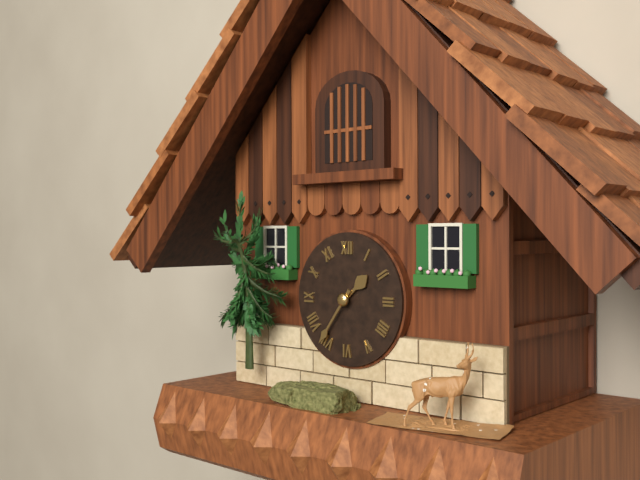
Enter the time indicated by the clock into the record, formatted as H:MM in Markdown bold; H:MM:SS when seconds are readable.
**1:36**
